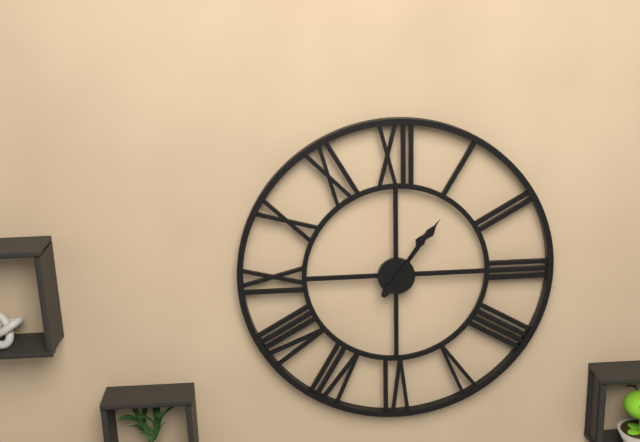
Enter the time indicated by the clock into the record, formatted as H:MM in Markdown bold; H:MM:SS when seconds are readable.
**1:06**
